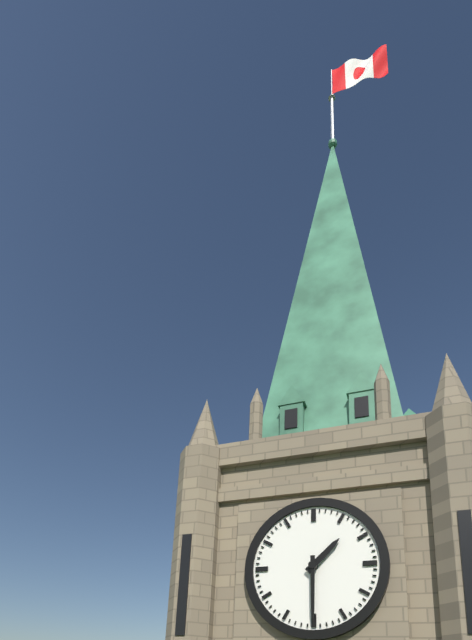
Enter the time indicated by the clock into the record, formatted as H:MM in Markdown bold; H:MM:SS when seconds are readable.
**1:30**
